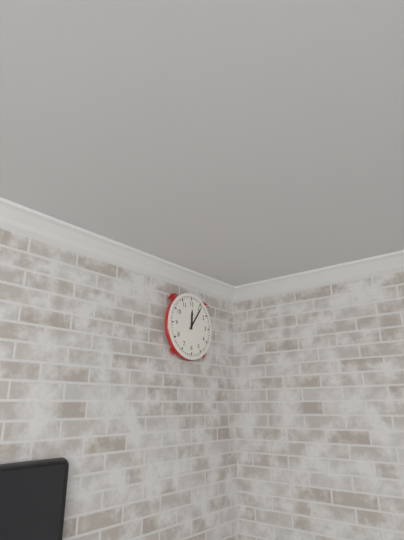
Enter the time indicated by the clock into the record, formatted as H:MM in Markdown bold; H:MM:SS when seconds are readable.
**12:06**
